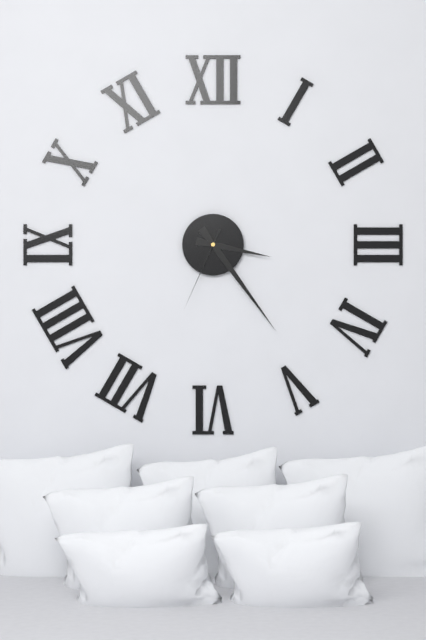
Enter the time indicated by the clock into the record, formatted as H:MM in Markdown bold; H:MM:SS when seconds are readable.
**3:24:34**
